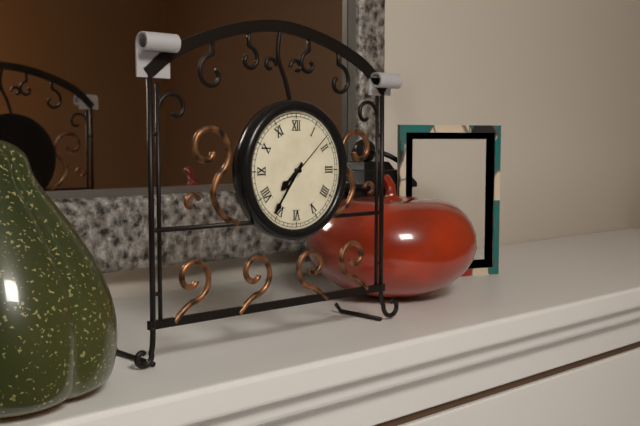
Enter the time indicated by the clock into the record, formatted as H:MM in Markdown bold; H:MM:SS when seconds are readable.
**7:36:08**
